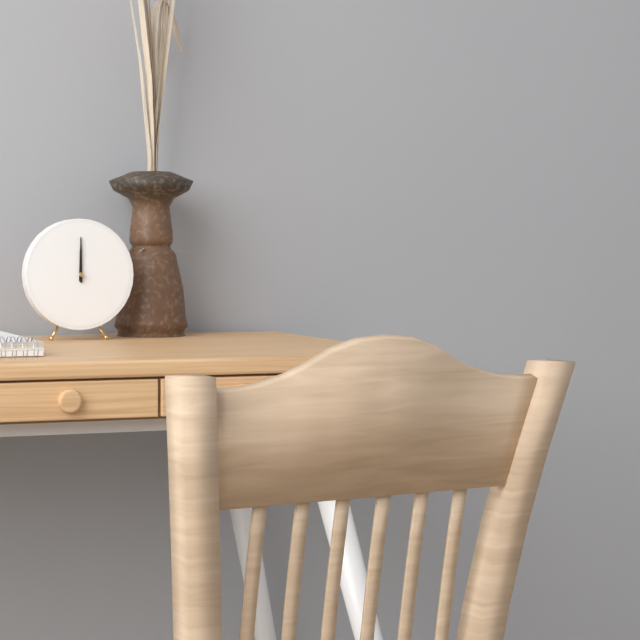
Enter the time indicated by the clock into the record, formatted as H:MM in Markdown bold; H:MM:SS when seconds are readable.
**12:00**
